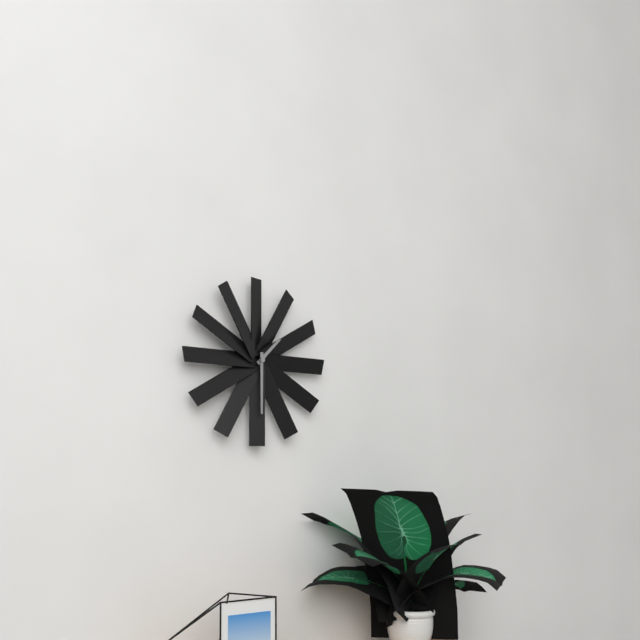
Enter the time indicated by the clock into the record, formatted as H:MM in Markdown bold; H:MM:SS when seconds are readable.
**1:30**
